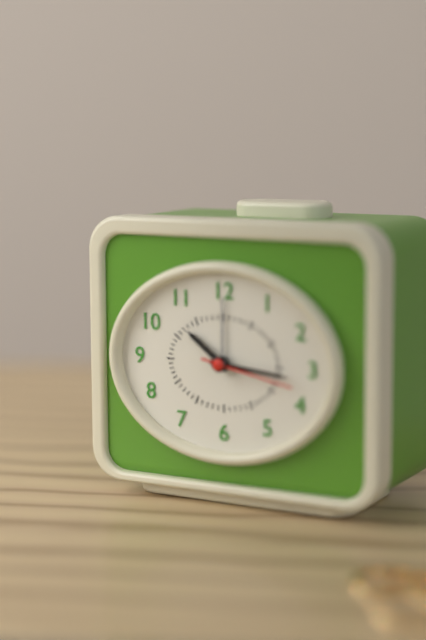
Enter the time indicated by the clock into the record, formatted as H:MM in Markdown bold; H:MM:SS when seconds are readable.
**10:16:17**
